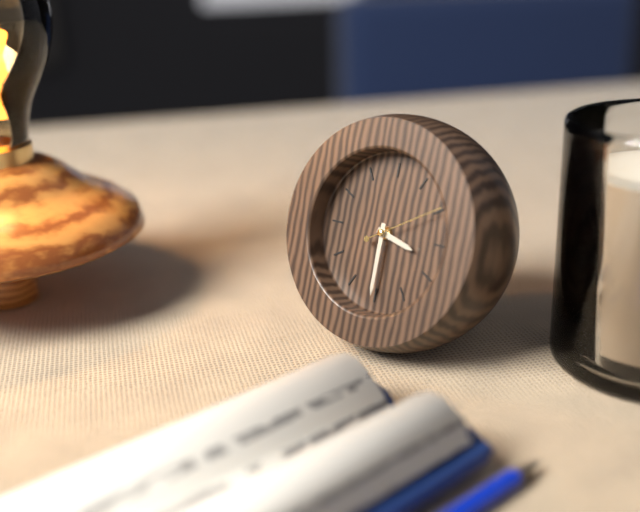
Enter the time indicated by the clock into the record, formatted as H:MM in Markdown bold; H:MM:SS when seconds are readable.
**3:30:10**
